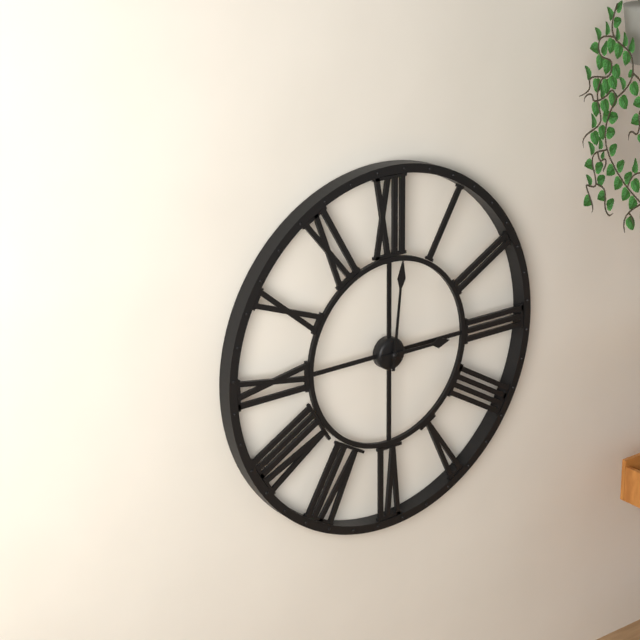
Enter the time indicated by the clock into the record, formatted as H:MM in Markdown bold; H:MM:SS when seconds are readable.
**3:01**
